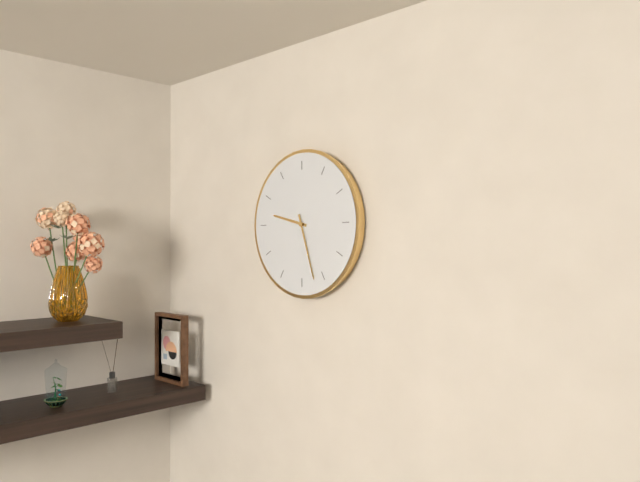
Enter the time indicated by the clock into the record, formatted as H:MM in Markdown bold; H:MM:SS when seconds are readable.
**9:27**
